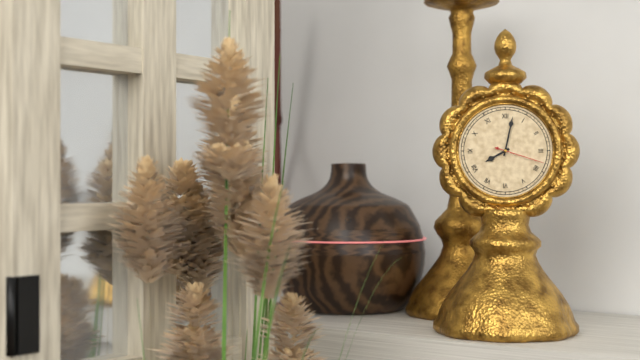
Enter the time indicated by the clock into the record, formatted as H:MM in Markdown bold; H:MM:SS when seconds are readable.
**8:02:18**
